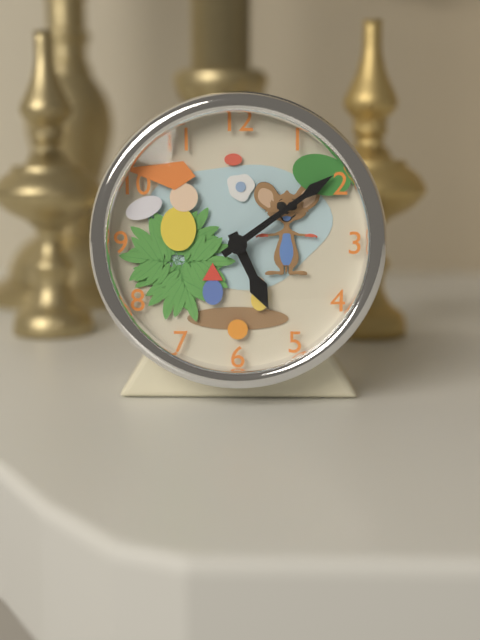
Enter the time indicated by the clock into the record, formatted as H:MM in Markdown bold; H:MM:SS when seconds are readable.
**5:09**
